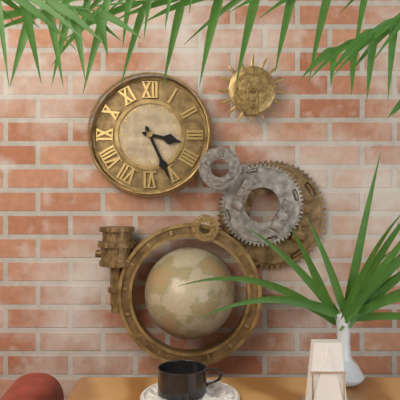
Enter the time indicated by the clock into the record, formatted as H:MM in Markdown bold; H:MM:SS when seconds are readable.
**3:26**
